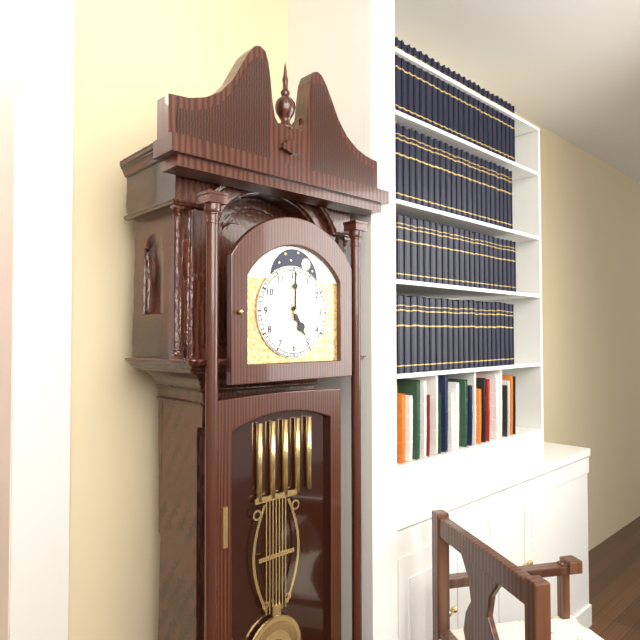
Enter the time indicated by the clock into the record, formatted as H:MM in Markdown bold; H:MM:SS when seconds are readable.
**5:00**
